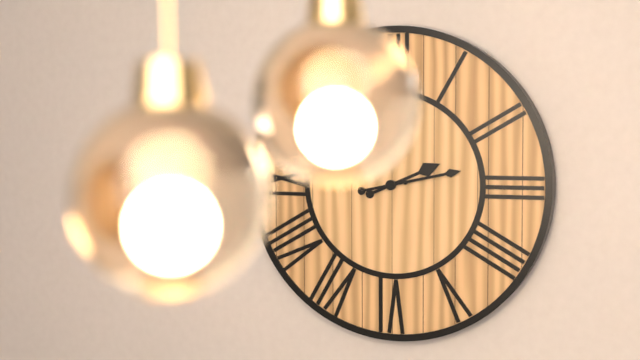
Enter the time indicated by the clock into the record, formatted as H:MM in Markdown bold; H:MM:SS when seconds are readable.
**2:13**
